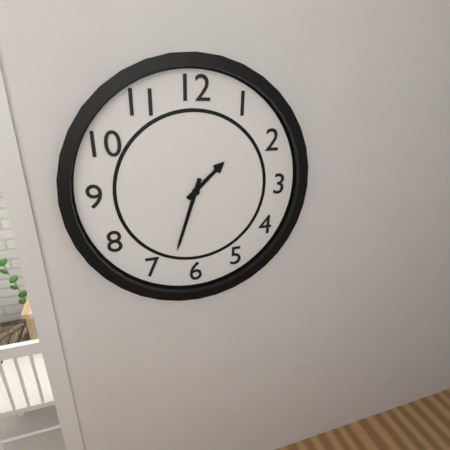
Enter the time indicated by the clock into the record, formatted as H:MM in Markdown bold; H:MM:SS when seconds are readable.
**1:33**
